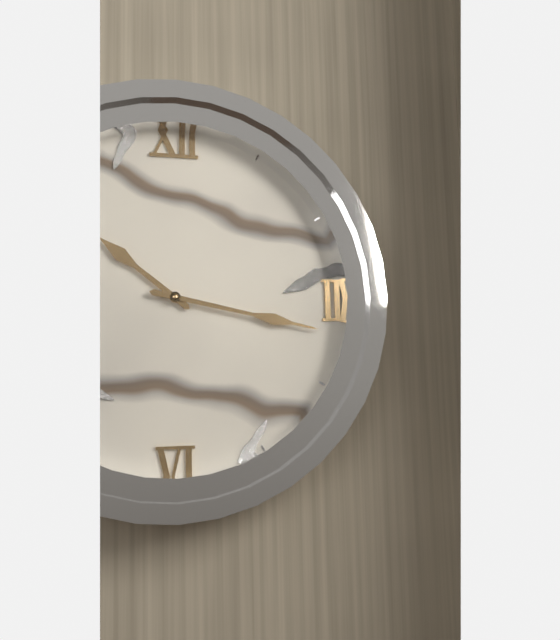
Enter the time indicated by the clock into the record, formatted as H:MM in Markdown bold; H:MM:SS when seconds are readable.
**10:17**
